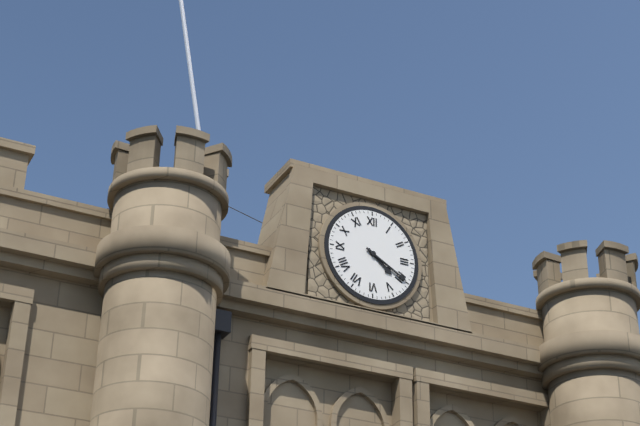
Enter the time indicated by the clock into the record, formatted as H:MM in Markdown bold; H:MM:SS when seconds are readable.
**4:20**
